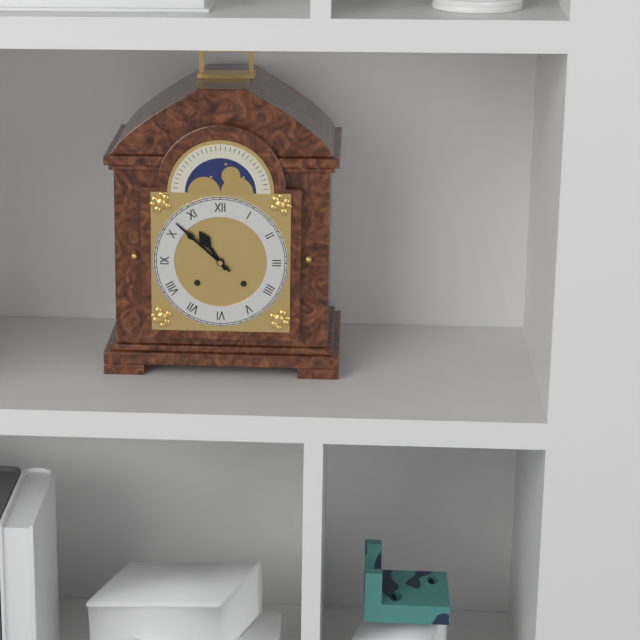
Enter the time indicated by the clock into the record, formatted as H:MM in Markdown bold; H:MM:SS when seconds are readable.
**10:52**
